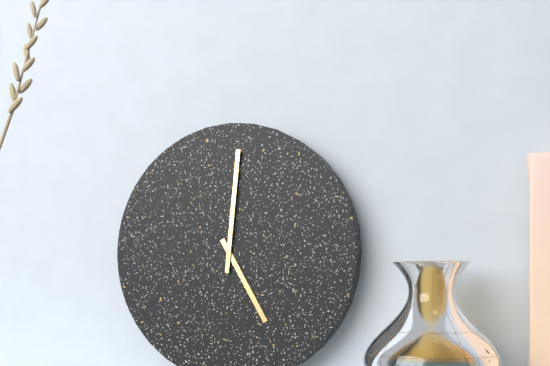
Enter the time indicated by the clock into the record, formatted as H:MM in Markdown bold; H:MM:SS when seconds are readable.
**5:01**
